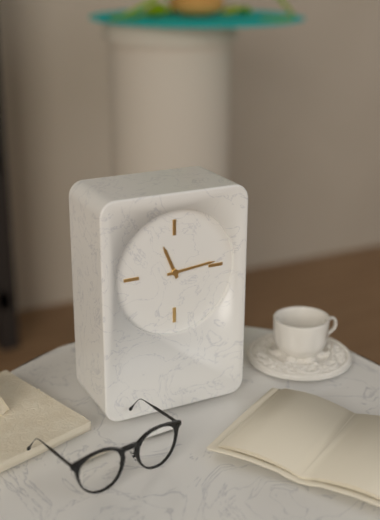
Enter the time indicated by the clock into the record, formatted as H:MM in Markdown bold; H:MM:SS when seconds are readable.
**11:14**
